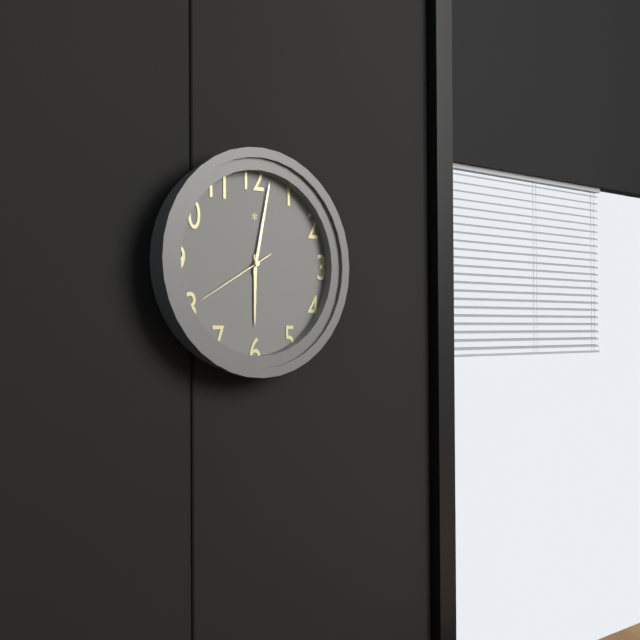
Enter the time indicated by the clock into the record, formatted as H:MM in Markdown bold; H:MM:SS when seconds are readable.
**6:02:40**
